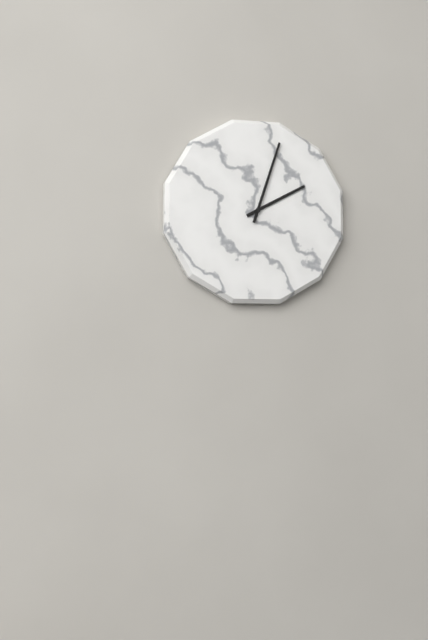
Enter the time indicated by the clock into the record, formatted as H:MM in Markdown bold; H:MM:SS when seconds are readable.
**2:03**
